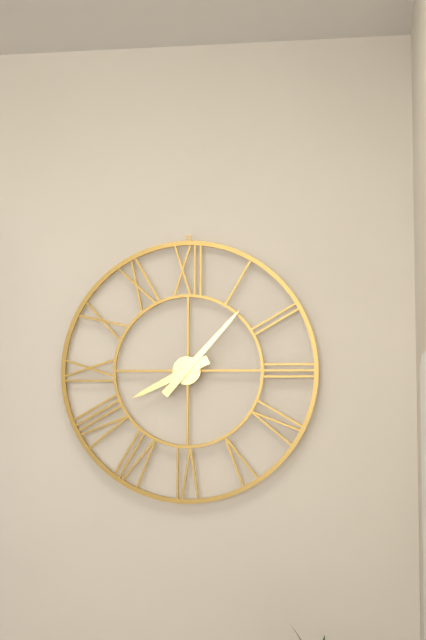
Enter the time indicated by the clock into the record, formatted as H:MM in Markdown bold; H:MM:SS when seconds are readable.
**8:07**
